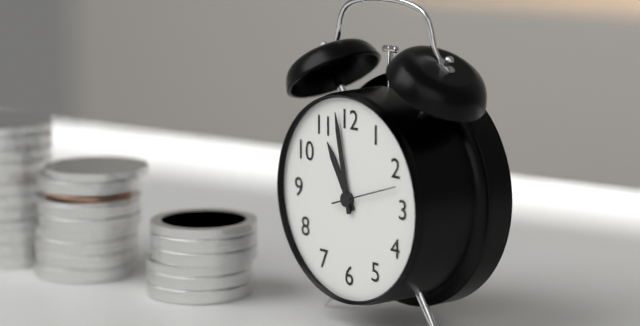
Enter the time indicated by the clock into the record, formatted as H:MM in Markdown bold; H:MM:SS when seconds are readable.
**10:58:12**
